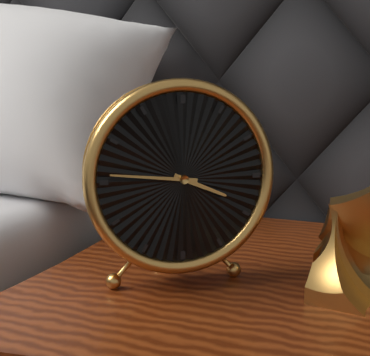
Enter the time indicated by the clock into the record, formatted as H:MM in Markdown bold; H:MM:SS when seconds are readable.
**3:46**
